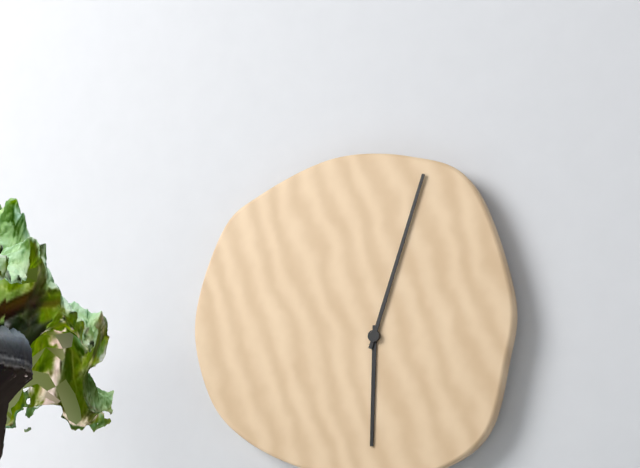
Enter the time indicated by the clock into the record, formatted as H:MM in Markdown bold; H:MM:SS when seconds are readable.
**6:03**
